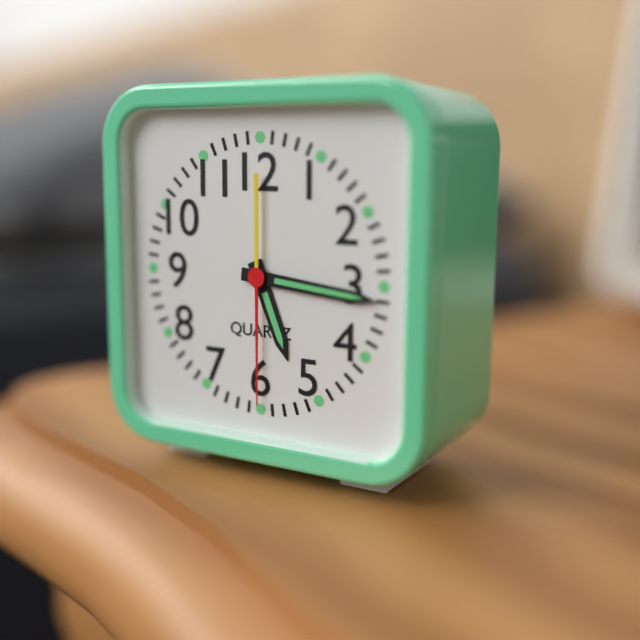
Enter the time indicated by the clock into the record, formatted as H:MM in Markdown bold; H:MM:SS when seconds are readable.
**5:16:30**
